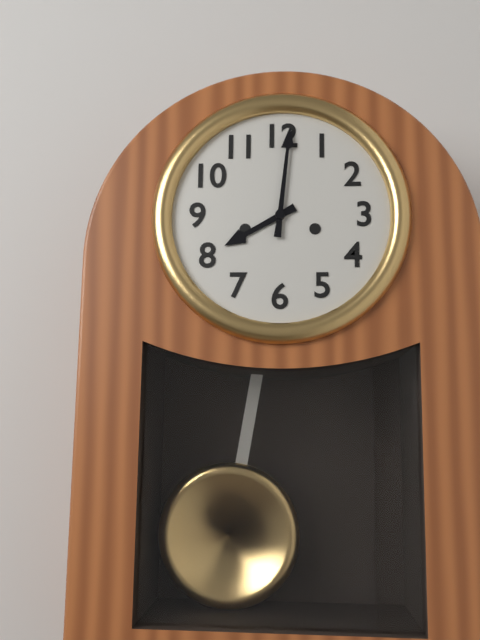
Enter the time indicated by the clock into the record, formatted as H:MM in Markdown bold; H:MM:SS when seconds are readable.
**8:01**
